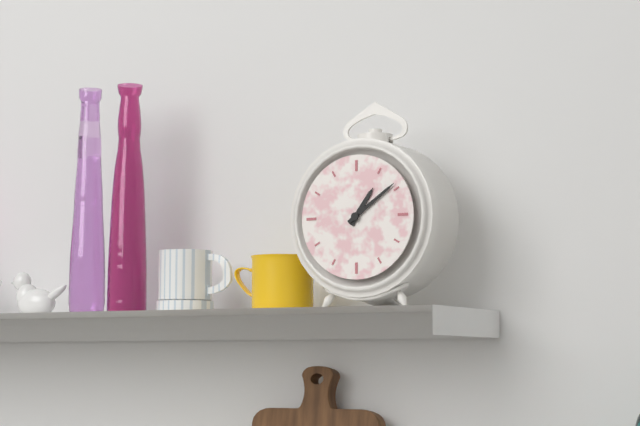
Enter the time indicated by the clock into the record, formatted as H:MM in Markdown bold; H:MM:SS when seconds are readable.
**1:09**
